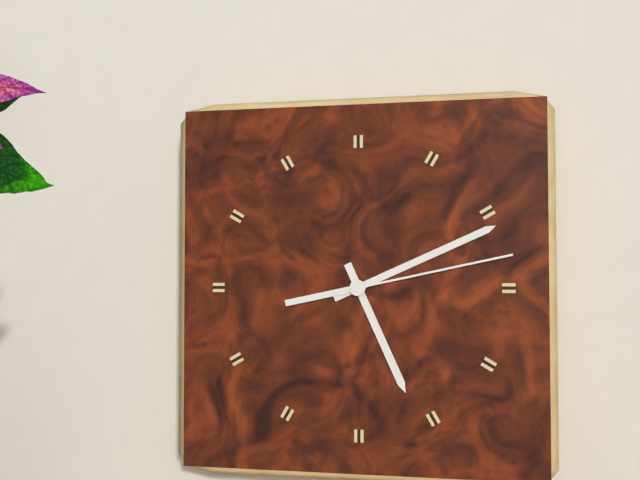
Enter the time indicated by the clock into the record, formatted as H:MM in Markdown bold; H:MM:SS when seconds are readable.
**5:11:13**
